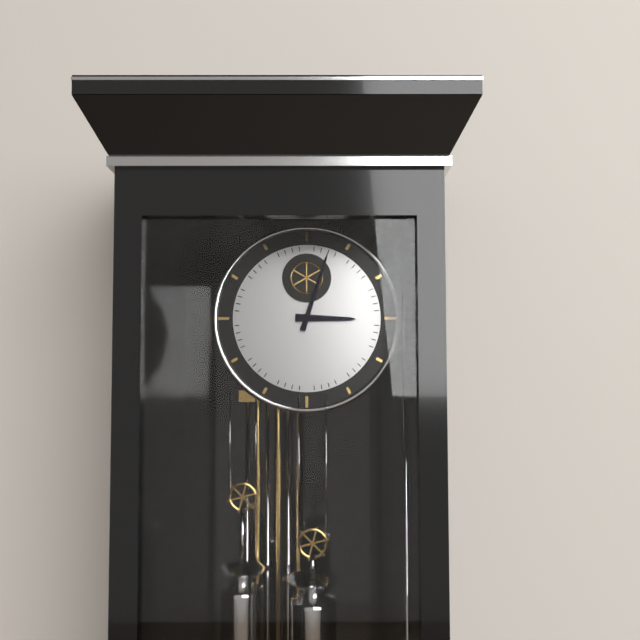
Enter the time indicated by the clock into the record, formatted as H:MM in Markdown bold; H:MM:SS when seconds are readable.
**3:03**
